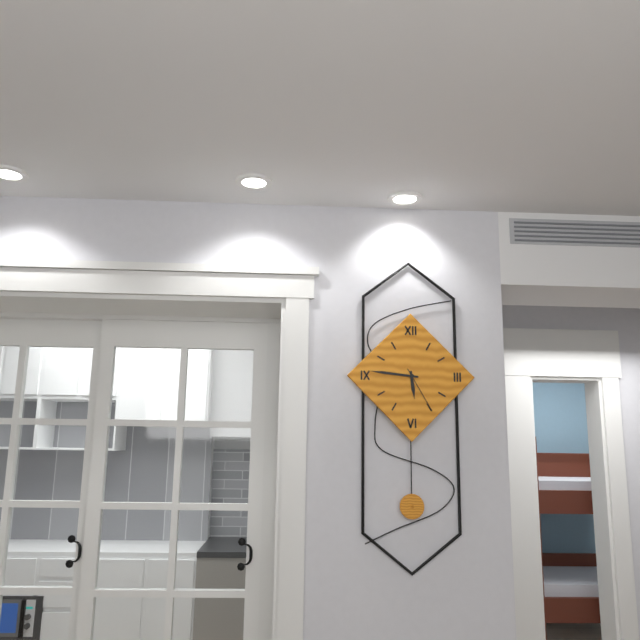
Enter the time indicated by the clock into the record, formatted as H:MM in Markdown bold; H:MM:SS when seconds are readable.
**5:46:25**
